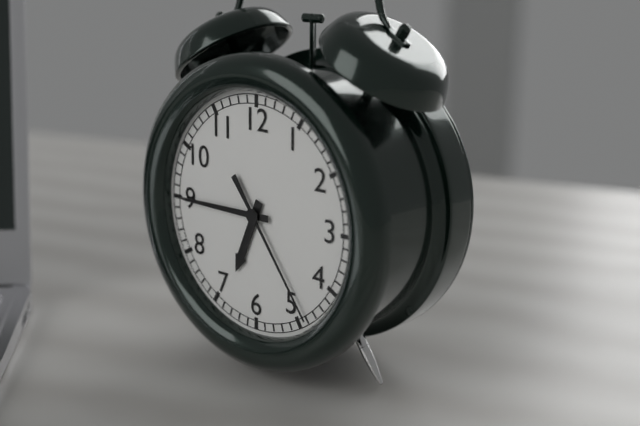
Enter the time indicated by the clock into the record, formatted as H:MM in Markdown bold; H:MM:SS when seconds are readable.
**6:45:24**
